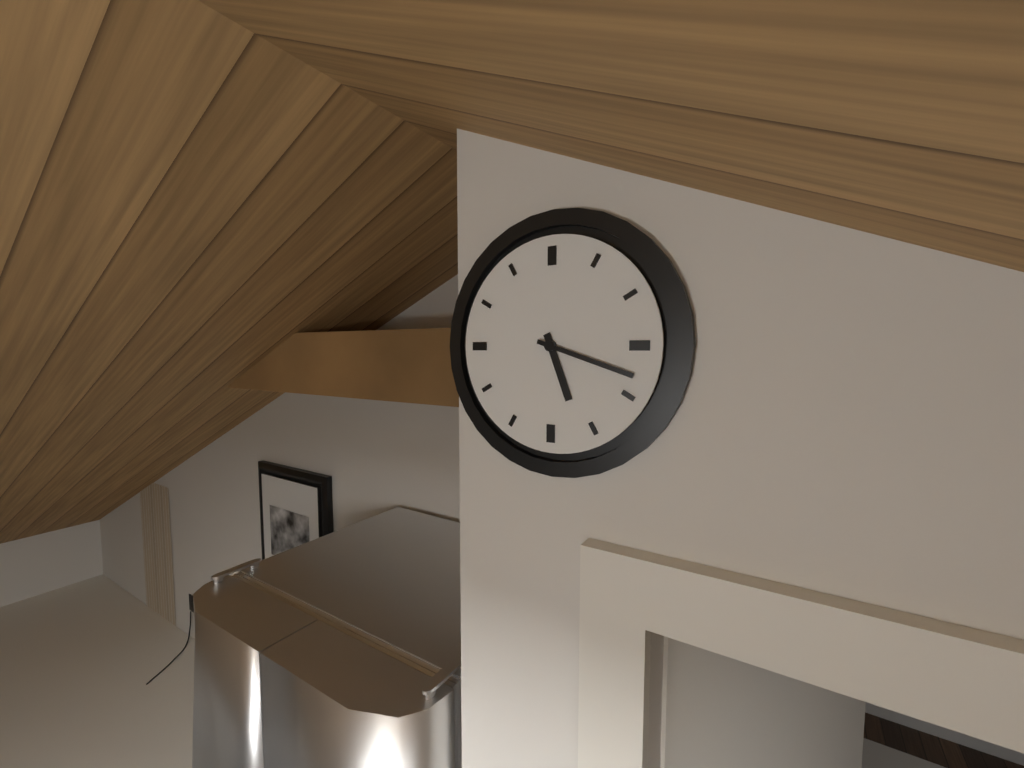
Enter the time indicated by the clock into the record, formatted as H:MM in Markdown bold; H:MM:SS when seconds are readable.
**5:18**
